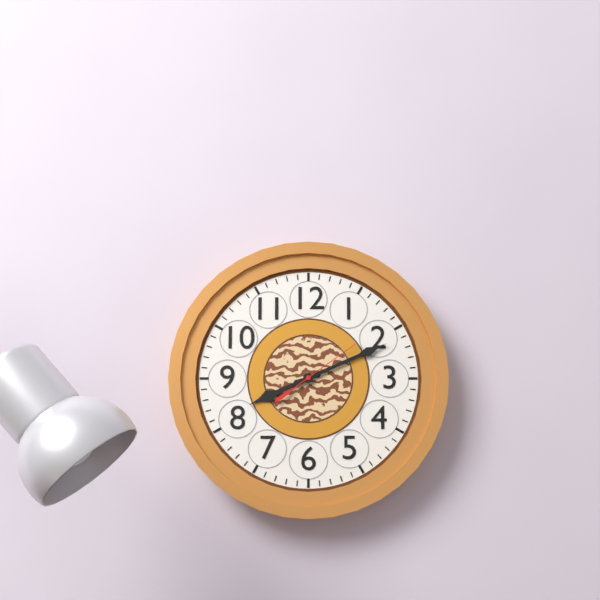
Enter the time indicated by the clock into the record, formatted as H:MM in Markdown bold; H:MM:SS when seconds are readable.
**8:11:09**
